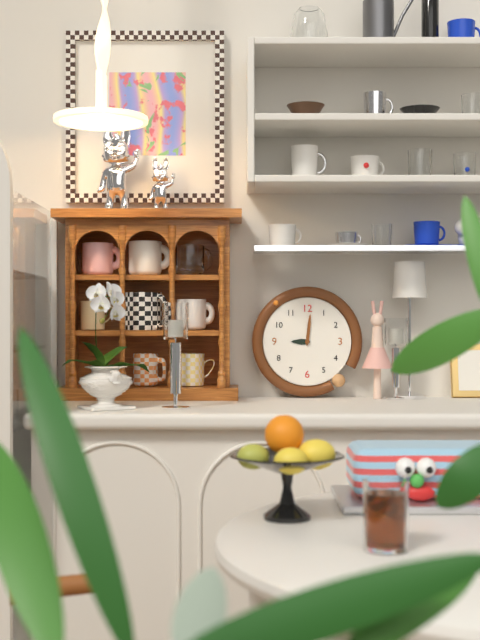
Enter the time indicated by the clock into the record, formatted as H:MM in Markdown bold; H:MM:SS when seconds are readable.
**9:01**
